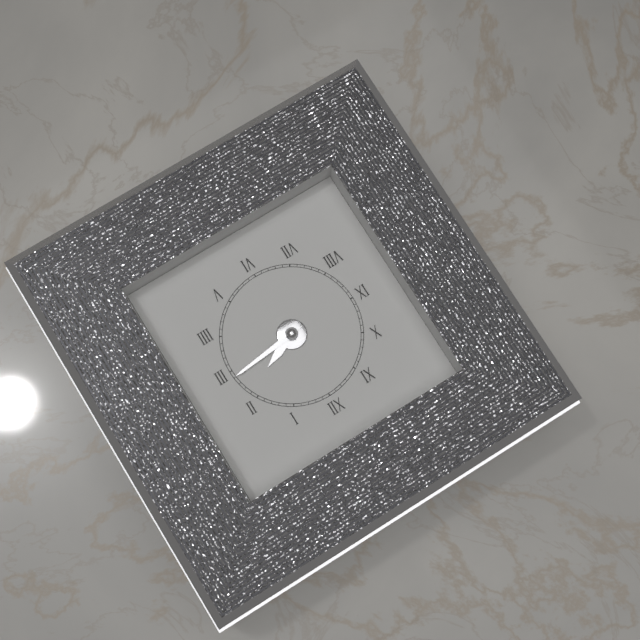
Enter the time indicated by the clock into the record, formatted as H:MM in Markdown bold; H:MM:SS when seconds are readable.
**2:14**
